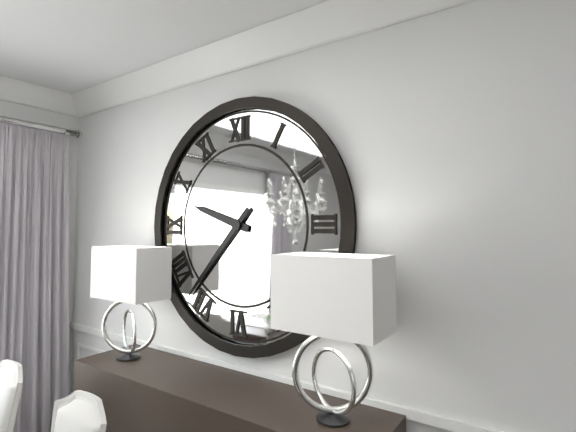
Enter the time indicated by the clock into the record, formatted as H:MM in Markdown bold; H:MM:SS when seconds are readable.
**9:37**
